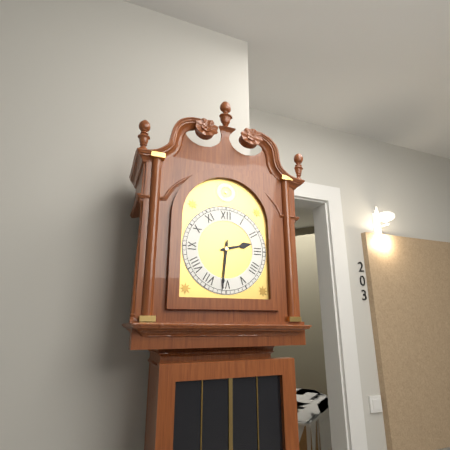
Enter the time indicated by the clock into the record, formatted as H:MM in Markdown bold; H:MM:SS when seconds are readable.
**2:31**
